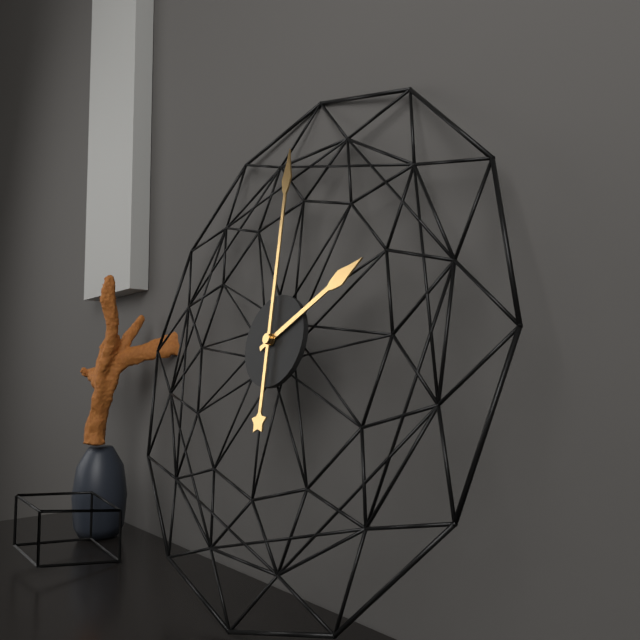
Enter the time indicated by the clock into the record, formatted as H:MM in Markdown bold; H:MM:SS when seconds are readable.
**1:59**
